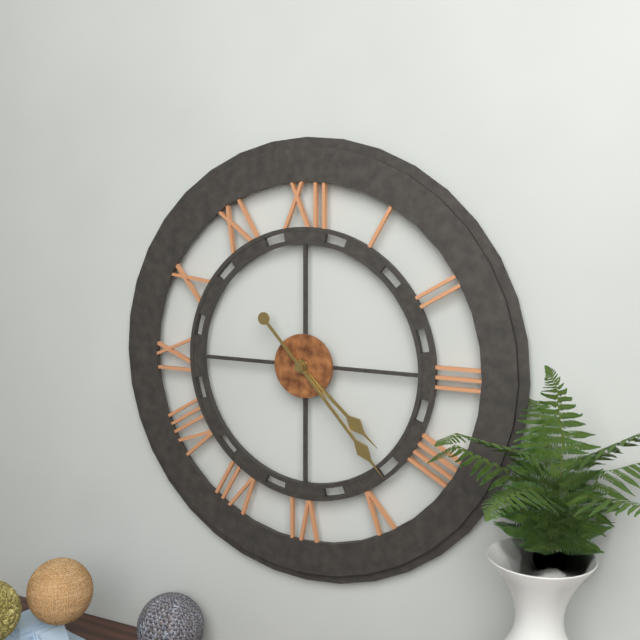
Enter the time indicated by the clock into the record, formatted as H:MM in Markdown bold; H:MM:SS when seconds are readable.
**4:23**
